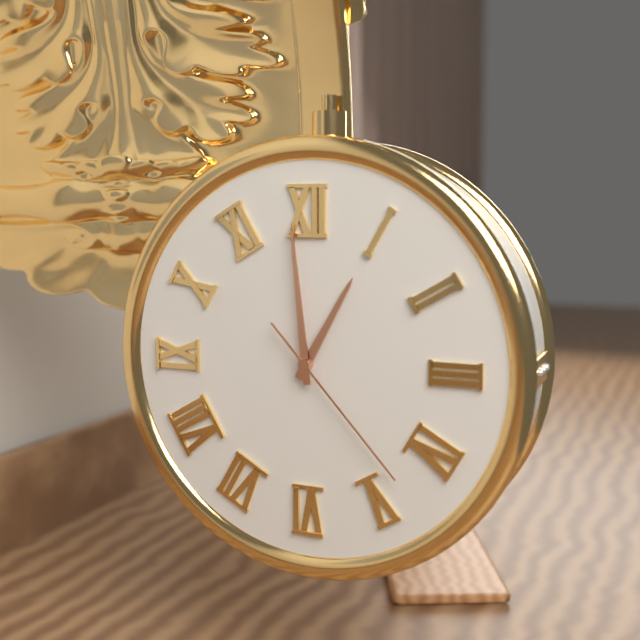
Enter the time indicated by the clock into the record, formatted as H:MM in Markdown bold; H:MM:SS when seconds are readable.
**12:59:23**
